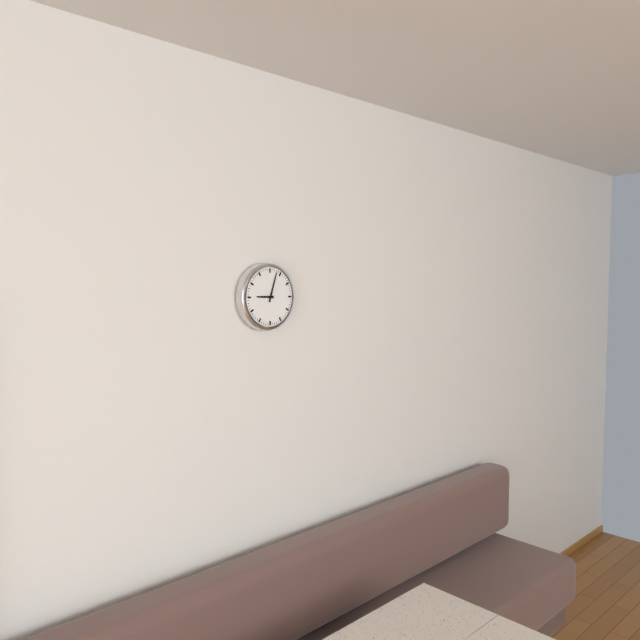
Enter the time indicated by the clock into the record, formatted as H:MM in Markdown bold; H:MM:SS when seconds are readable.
**9:03**
